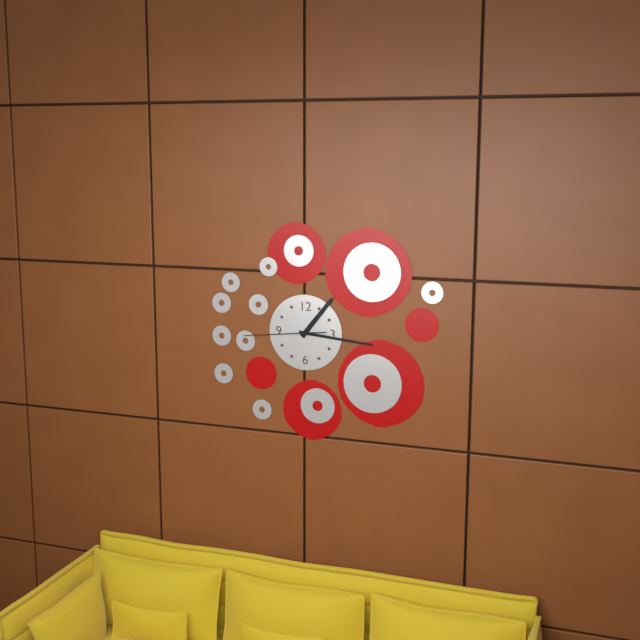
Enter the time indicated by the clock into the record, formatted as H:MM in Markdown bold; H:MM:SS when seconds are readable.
**1:16:44**
